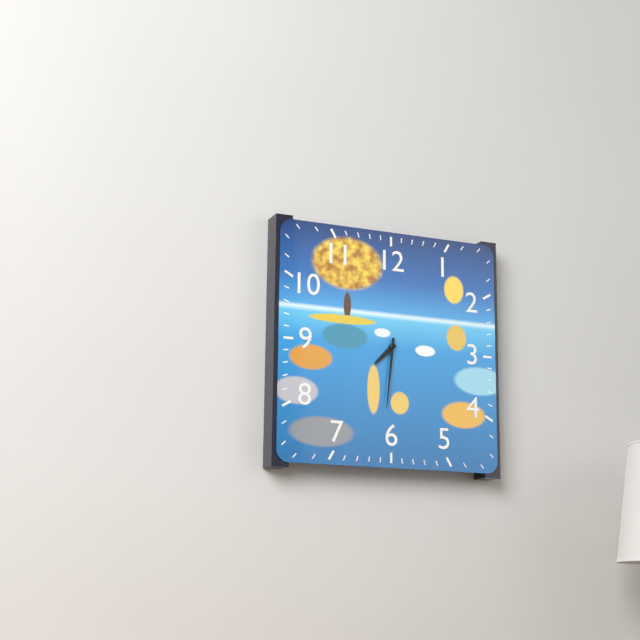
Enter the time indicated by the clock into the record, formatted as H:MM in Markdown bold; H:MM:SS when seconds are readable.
**7:31**
